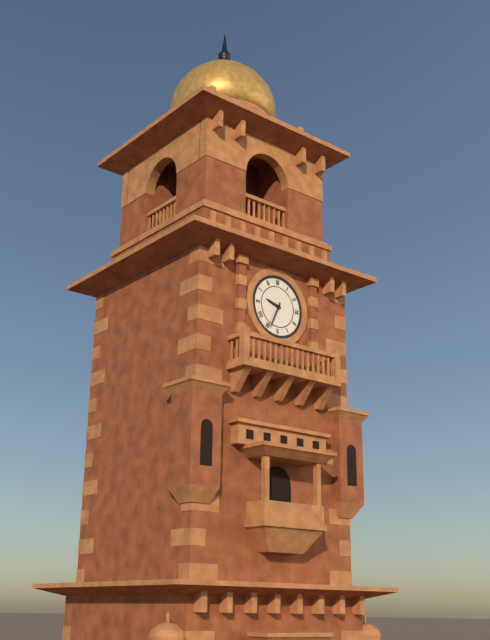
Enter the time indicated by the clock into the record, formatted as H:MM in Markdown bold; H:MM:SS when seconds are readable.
**9:34**
